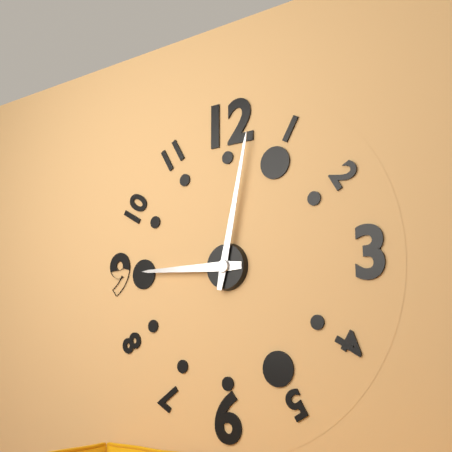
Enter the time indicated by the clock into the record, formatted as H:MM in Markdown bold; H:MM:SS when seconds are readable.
**9:02**
